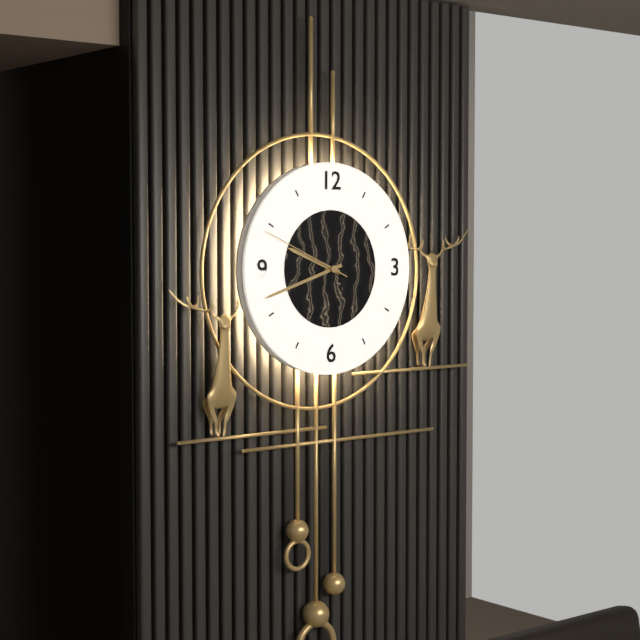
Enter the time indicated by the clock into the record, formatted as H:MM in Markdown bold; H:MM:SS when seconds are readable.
**9:42:49**
